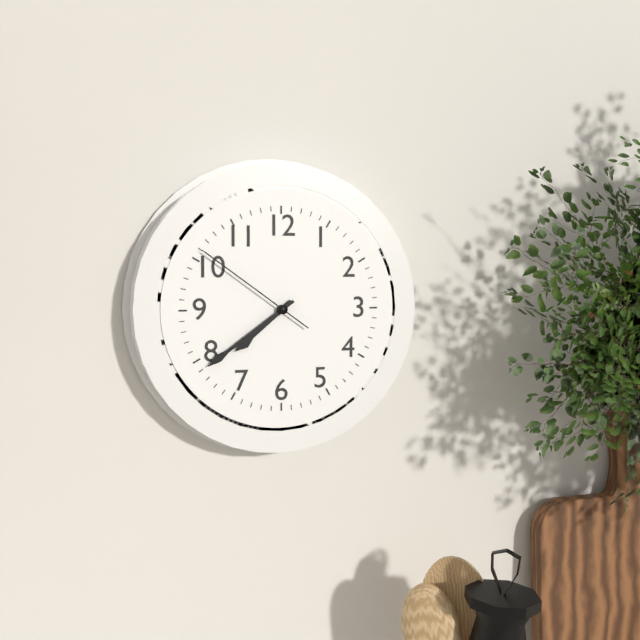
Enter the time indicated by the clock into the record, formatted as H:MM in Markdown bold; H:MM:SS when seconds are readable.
**7:39:51**
